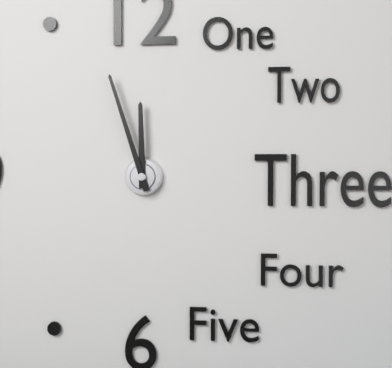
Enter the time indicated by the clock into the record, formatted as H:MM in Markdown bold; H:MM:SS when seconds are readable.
**11:57**
